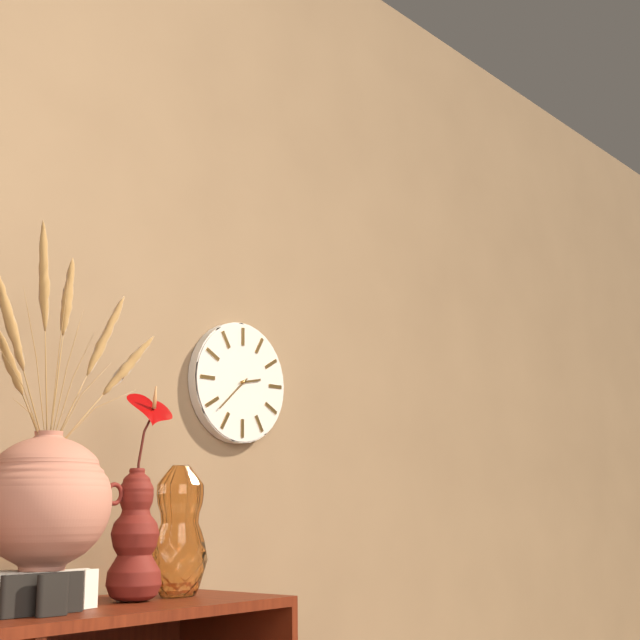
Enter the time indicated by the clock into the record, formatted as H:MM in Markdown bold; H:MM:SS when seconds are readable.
**2:38**
